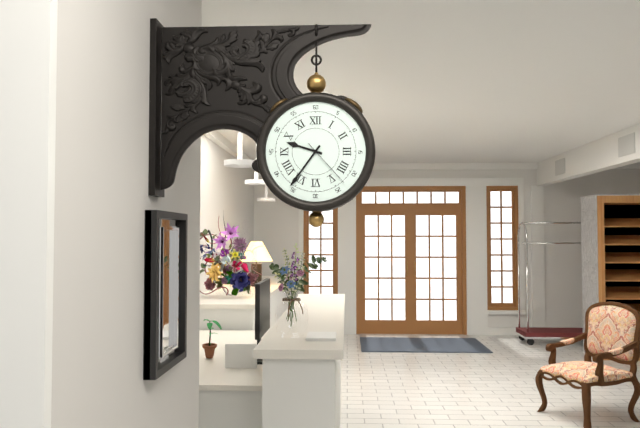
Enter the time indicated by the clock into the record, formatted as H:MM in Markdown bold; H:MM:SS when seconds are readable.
**9:36:23**
